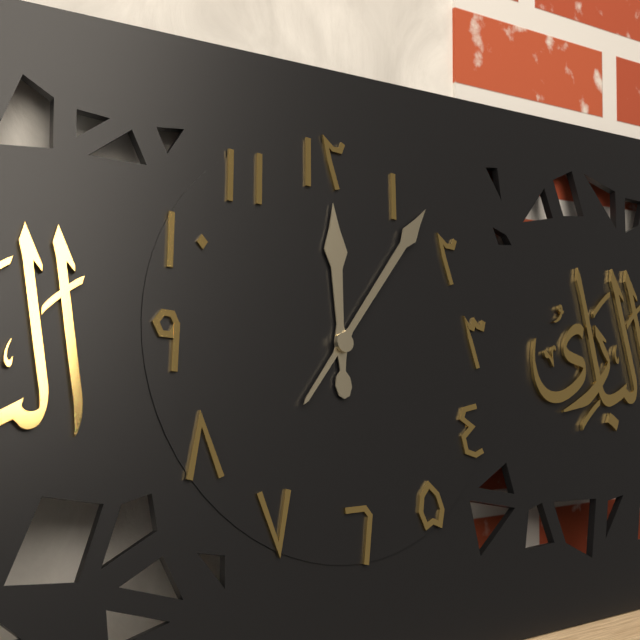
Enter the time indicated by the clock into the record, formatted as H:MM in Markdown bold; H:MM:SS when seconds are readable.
**12:07**
